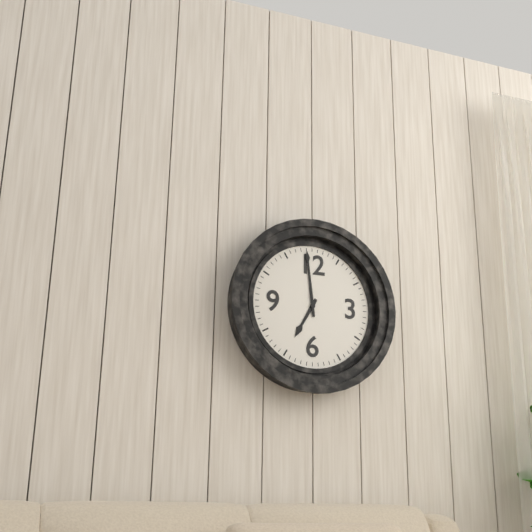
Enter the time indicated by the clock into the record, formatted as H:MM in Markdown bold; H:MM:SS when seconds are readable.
**6:59**
